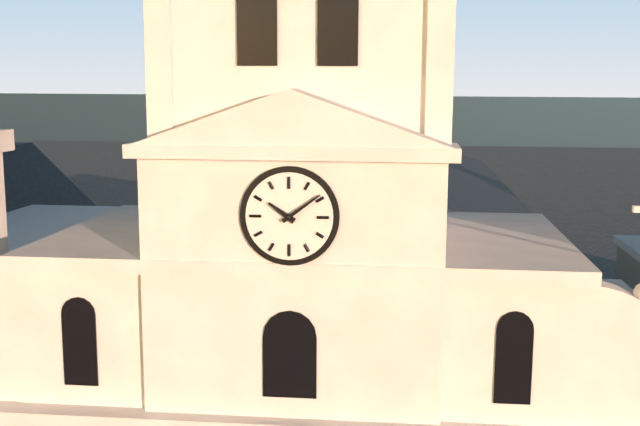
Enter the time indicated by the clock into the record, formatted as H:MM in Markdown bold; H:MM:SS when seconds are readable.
**10:09**
